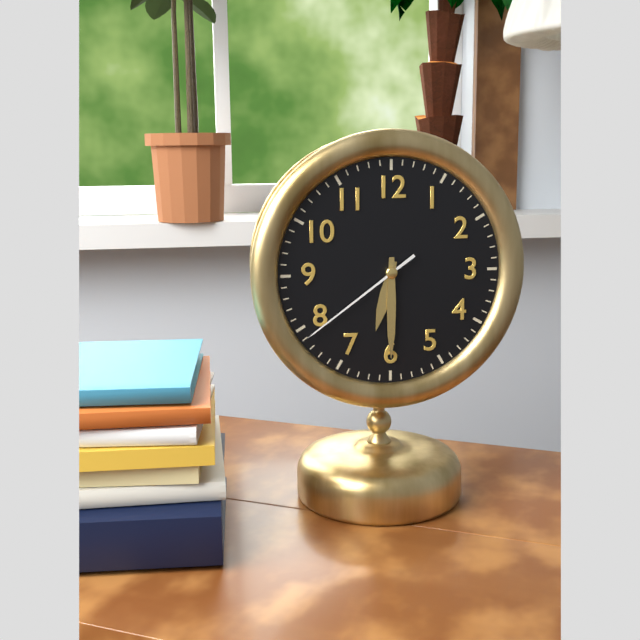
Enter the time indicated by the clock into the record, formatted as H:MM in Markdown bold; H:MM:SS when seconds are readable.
**6:30:39**
